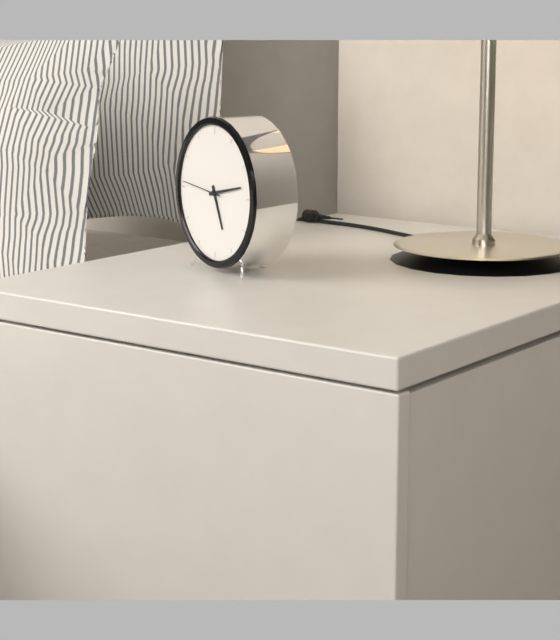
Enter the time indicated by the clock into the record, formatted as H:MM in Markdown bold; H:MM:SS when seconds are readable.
**5:13**
